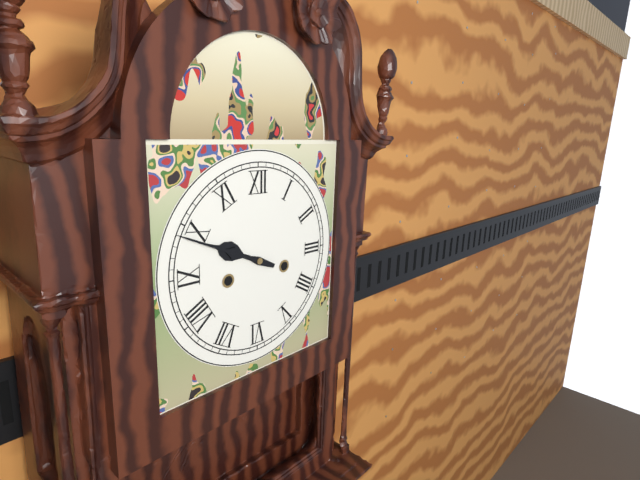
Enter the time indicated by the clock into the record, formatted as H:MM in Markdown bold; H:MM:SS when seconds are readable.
**9:49**
